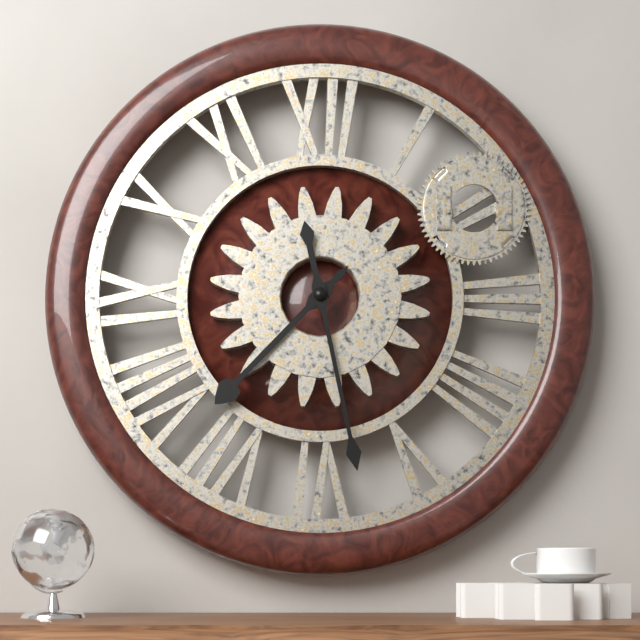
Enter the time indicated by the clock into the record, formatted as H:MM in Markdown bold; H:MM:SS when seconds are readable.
**7:28**
